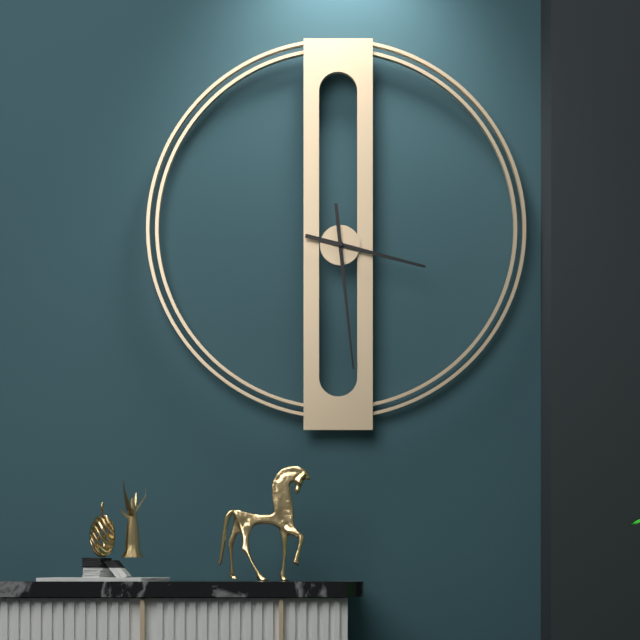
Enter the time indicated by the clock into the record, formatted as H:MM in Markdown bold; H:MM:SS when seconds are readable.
**3:29**
